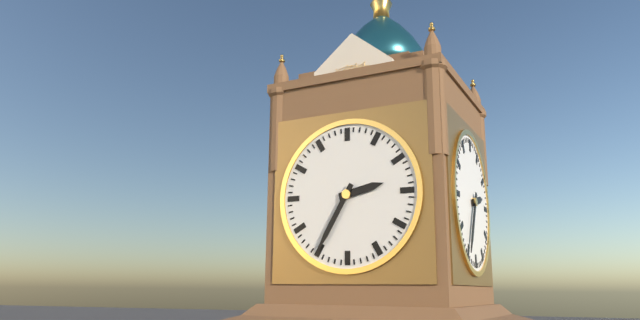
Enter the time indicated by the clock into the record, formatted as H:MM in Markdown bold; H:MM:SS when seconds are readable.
**2:35**
